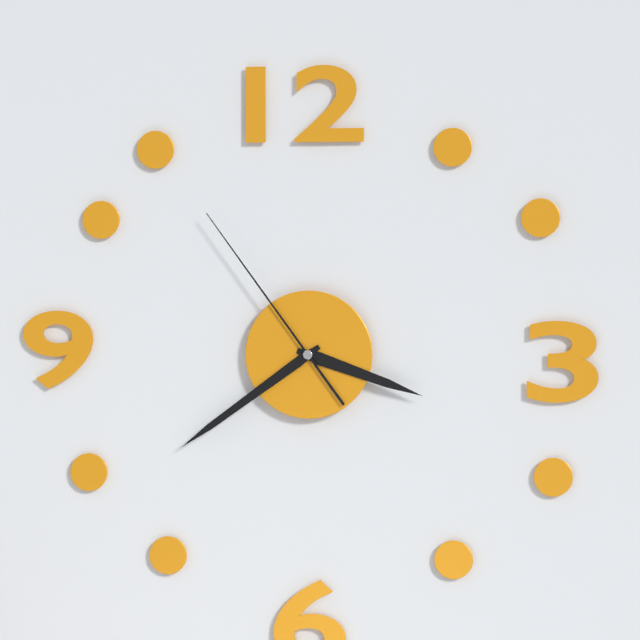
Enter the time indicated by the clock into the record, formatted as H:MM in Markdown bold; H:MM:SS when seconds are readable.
**3:39:54**
